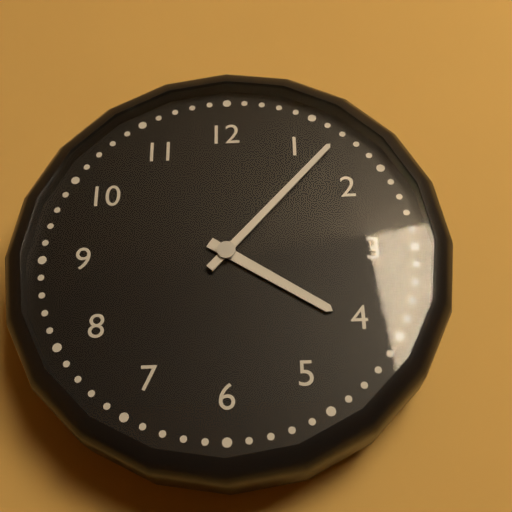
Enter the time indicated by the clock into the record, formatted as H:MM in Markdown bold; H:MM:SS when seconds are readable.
**4:07**
